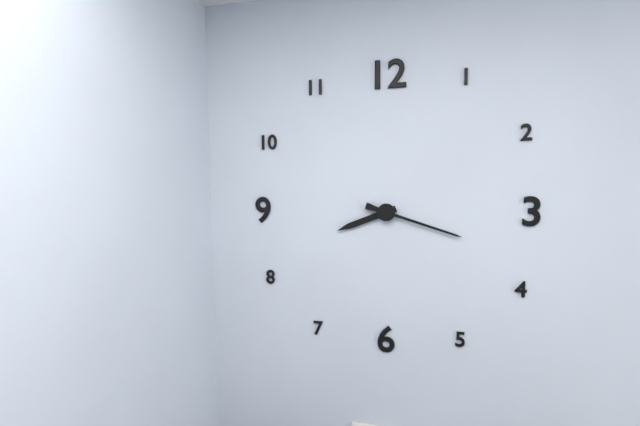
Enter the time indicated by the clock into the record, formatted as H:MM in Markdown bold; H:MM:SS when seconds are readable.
**8:18**
